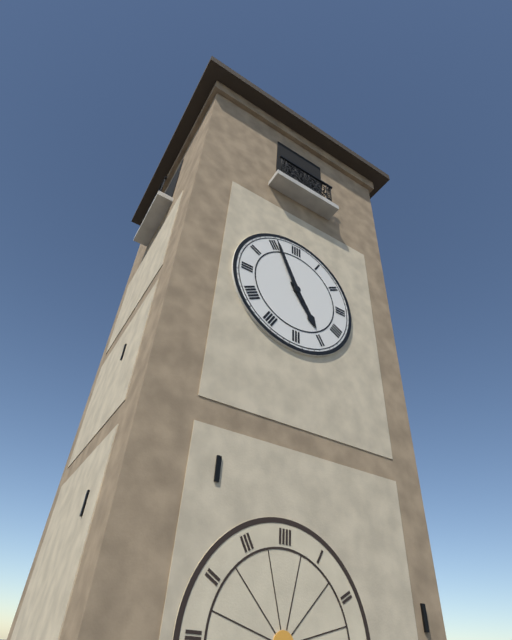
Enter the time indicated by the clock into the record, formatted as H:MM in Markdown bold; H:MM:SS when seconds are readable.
**4:56**
